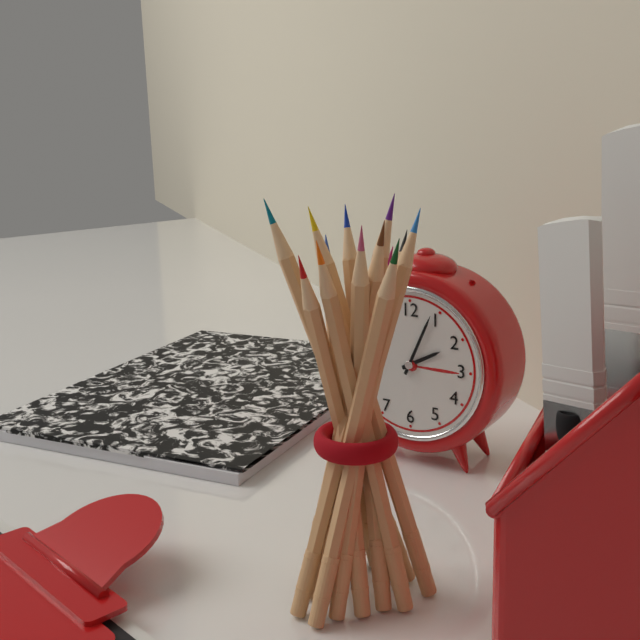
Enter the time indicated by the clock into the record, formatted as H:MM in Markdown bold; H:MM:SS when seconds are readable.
**2:04**
